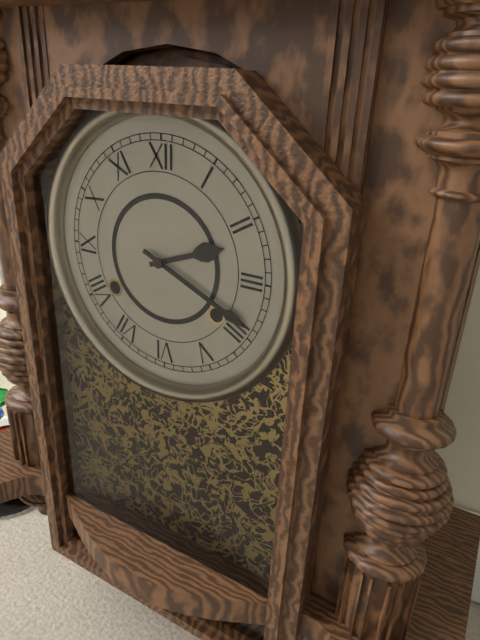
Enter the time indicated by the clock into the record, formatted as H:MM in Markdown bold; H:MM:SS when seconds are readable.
**2:19**
